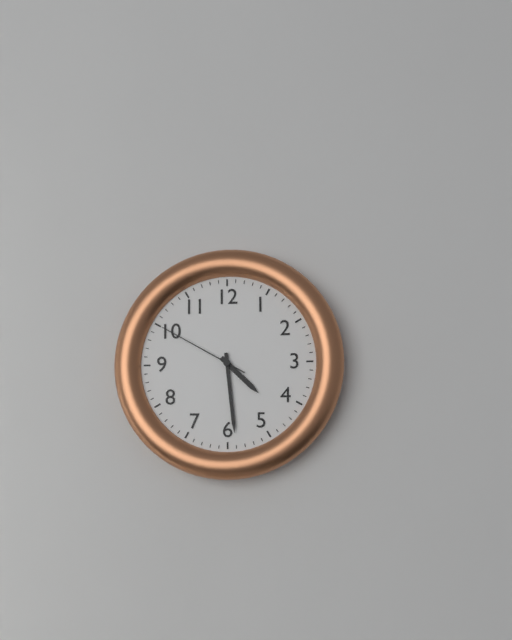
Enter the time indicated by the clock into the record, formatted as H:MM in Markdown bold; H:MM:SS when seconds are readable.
**4:29:50**
